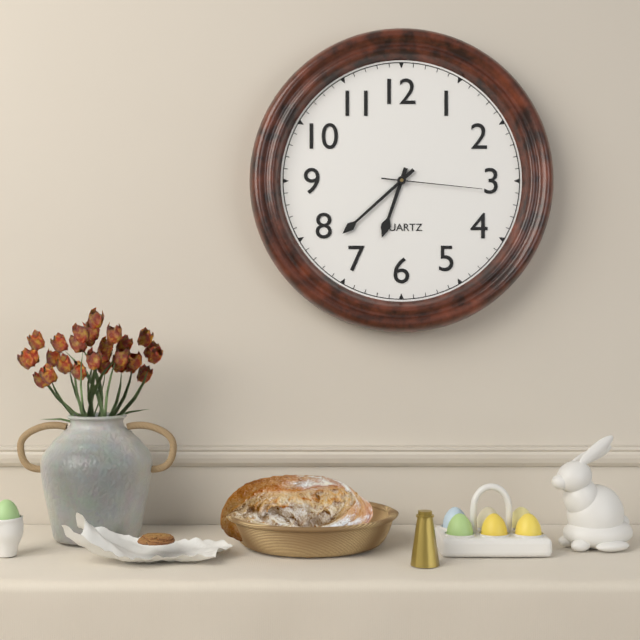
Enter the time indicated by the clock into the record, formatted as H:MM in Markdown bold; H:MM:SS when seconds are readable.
**6:38:16**
